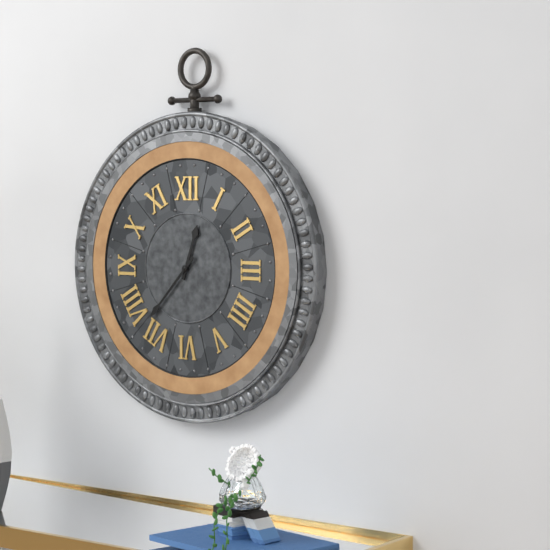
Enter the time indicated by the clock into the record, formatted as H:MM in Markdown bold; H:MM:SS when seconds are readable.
**12:37**
